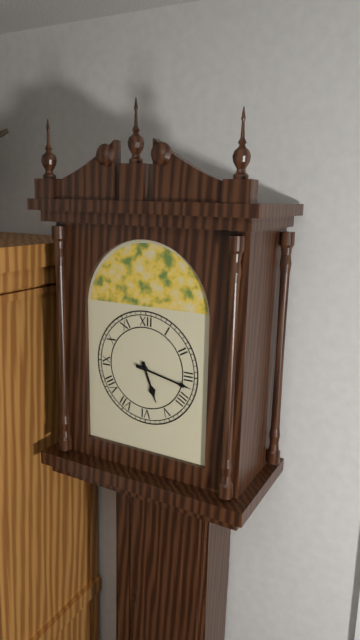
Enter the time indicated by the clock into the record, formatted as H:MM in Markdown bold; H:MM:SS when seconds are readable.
**5:17**
